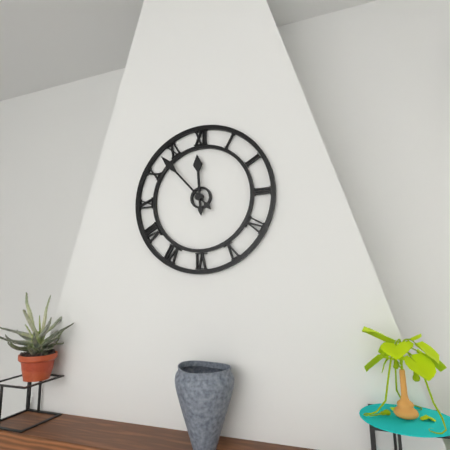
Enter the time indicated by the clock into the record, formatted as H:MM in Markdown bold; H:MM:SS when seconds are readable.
**11:53**
